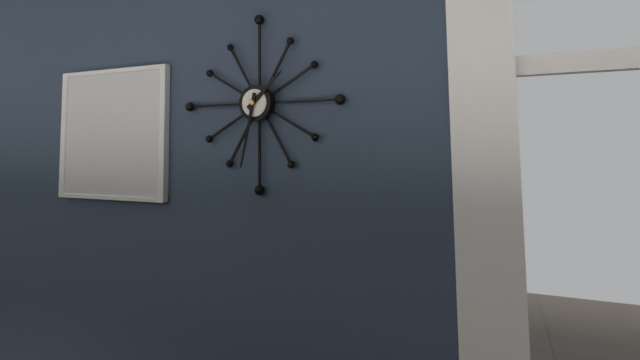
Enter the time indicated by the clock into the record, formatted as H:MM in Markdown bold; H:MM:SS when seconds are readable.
**1:32**
